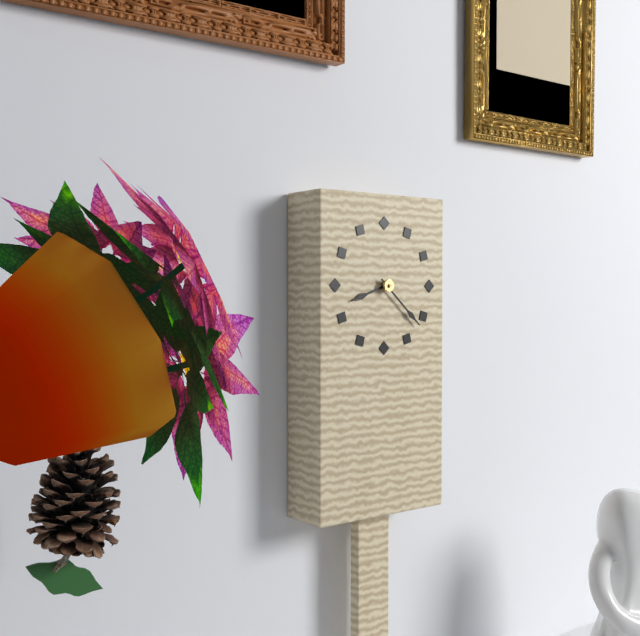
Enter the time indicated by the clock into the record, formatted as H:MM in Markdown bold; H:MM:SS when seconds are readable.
**8:22**
